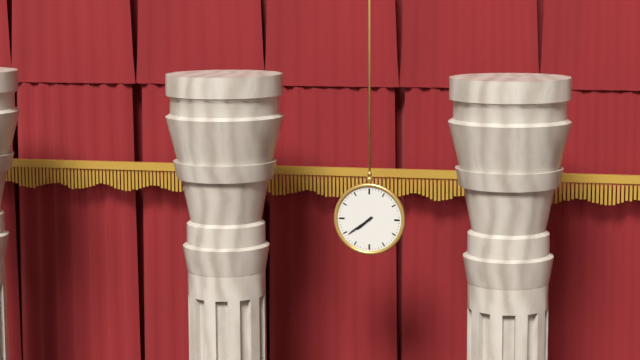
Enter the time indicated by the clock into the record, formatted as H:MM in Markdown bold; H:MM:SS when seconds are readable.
**7:39**
